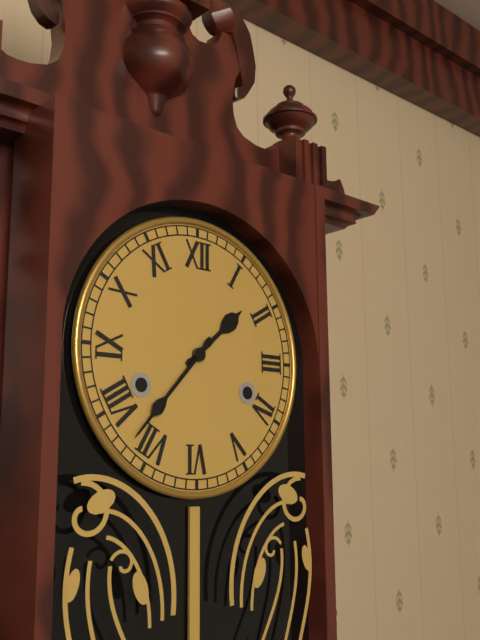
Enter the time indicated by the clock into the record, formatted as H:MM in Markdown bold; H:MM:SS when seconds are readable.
**1:37**
